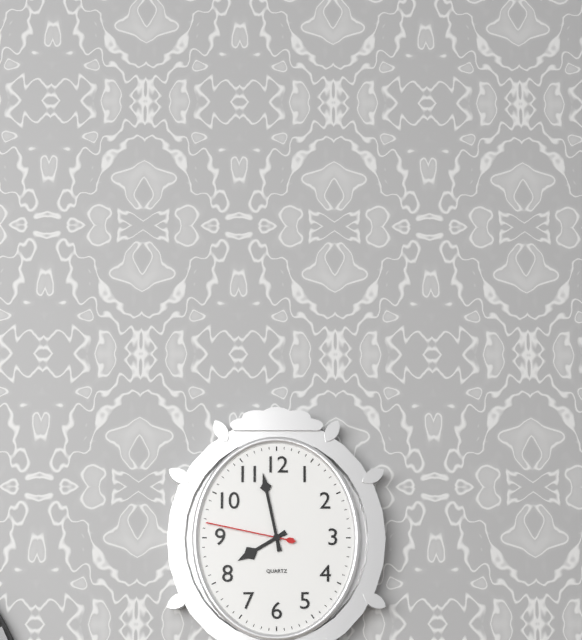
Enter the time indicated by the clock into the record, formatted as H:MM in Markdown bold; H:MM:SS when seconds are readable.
**7:58:47**
